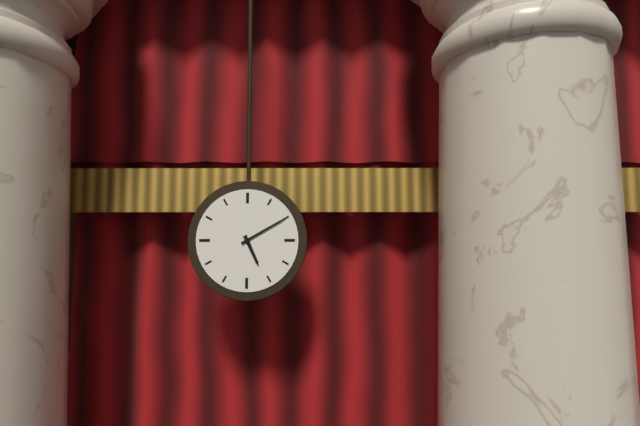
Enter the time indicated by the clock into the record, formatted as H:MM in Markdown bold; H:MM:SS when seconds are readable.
**5:10**
